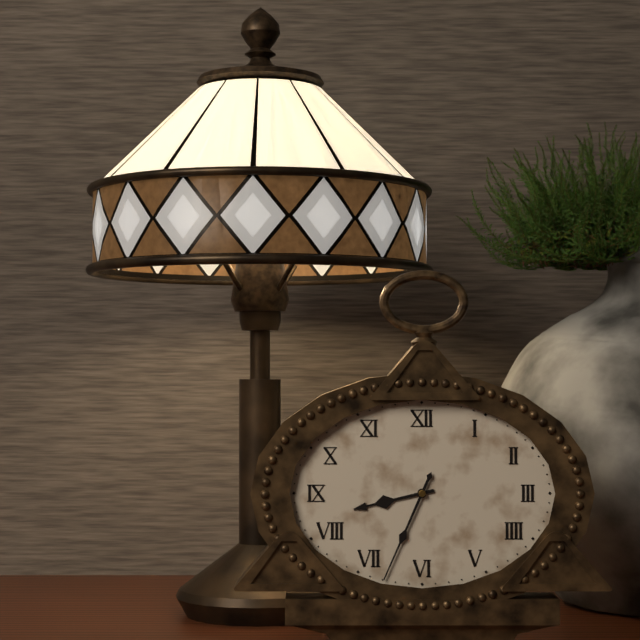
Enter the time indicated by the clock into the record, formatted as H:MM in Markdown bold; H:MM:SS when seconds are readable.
**8:34**
